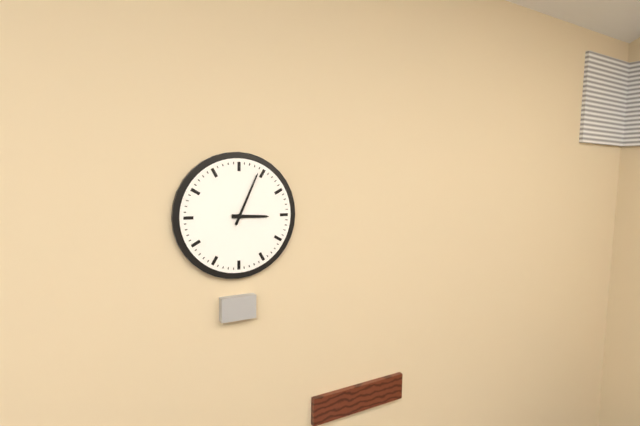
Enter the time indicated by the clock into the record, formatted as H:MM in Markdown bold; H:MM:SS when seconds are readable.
**3:04**
